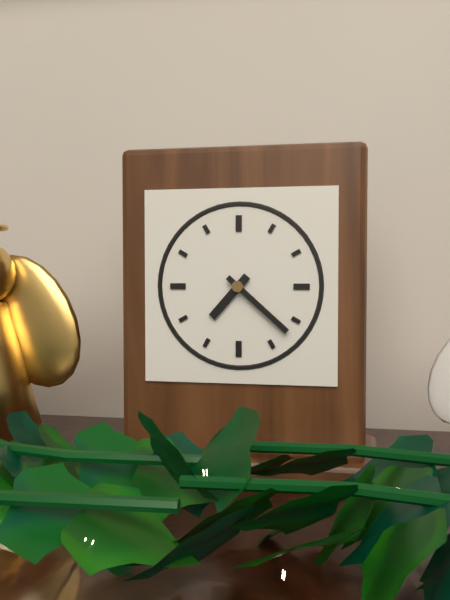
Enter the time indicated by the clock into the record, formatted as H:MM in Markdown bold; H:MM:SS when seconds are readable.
**7:22**
